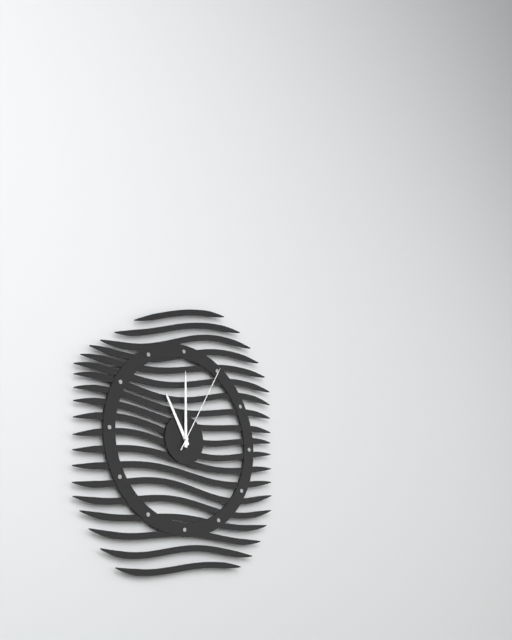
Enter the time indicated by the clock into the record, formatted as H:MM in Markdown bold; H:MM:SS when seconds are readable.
**11:00:05**
